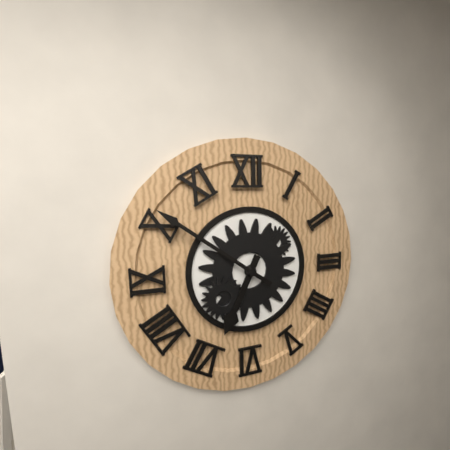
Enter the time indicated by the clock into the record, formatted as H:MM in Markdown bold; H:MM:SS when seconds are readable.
**6:51**
